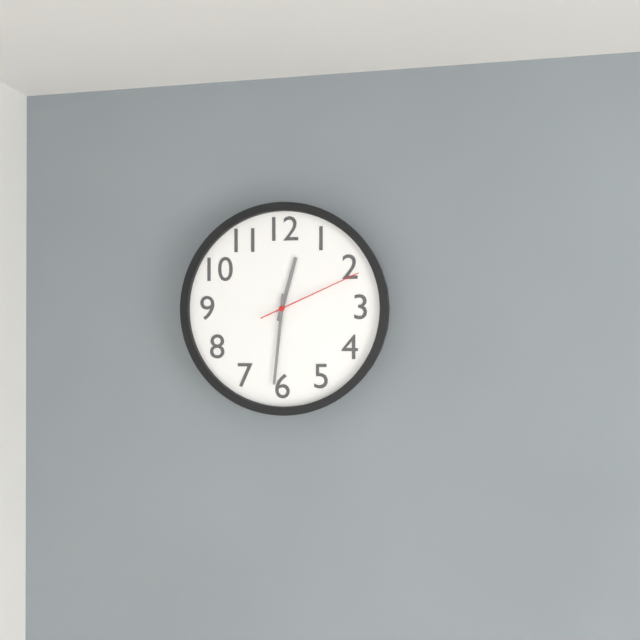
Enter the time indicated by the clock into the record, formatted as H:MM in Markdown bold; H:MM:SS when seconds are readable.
**12:31:11**
